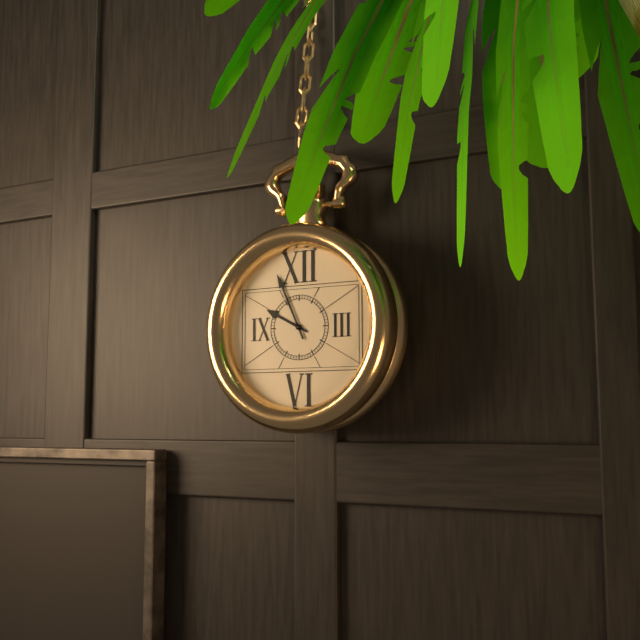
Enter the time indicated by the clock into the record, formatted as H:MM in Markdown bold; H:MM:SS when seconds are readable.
**9:56**
